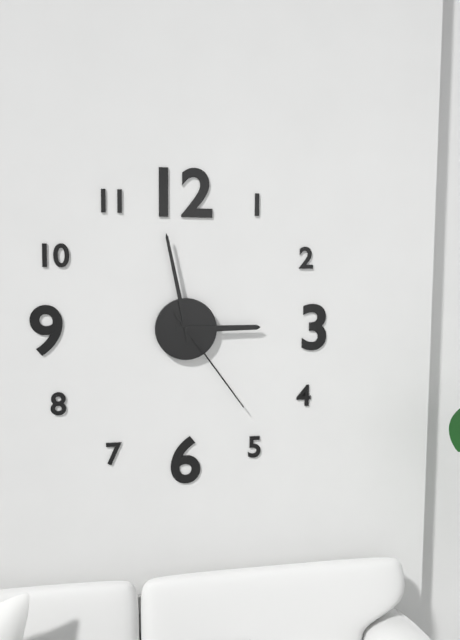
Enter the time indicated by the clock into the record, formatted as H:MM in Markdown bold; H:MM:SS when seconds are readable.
**2:58:24**
